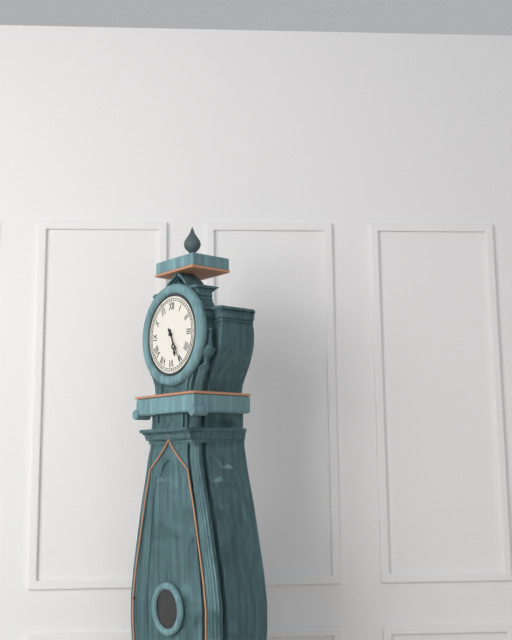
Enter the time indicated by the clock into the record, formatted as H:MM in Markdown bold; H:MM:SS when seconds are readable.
**5:25**
